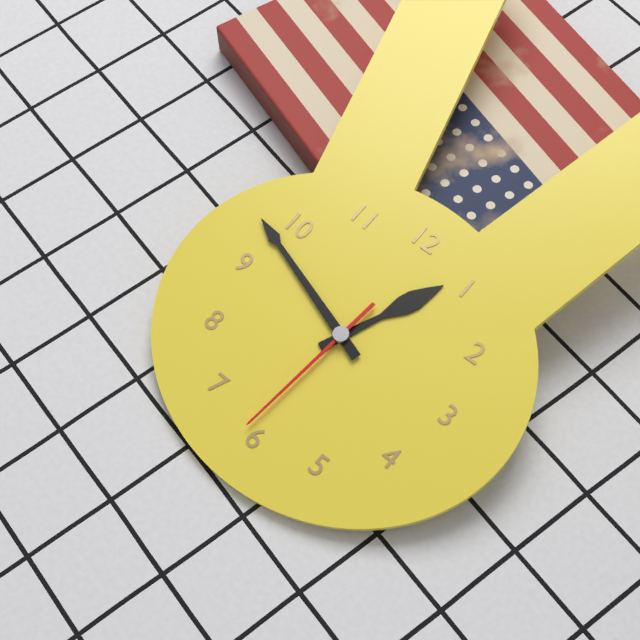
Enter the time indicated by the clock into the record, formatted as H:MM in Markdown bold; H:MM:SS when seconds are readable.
**12:48:31**
